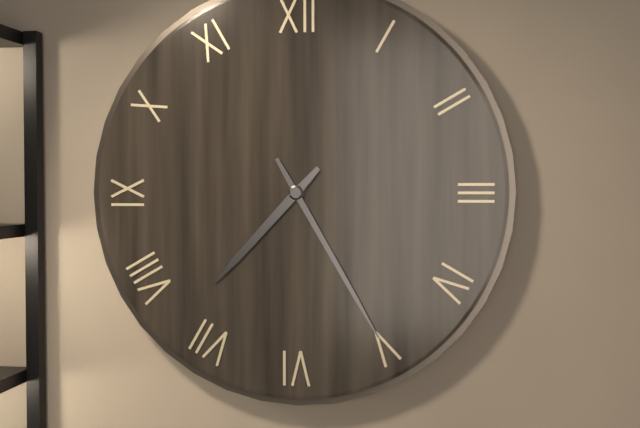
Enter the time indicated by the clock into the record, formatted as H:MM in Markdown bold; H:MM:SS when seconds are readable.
**7:25**
